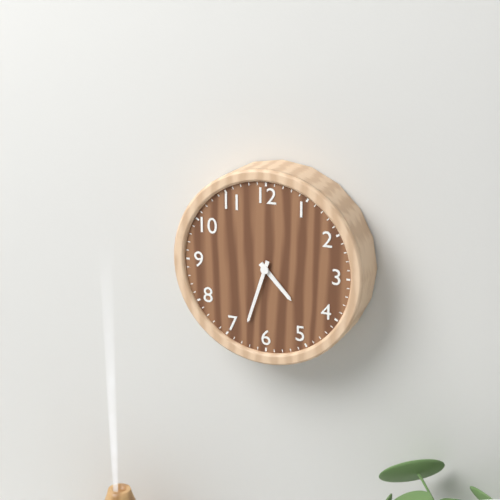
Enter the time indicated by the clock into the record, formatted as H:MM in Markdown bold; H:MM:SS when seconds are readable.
**4:33**
